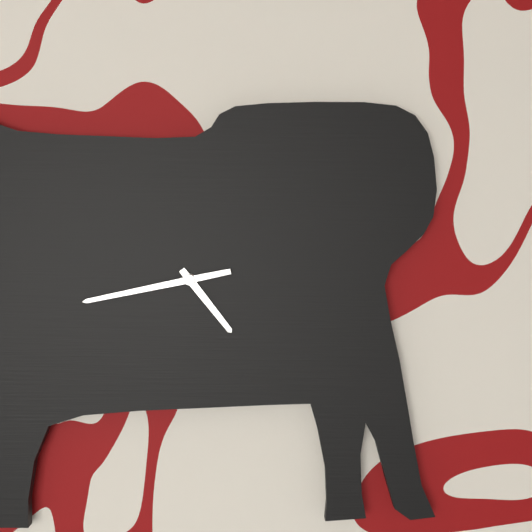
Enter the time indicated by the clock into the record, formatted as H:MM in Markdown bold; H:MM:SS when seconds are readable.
**4:43**
